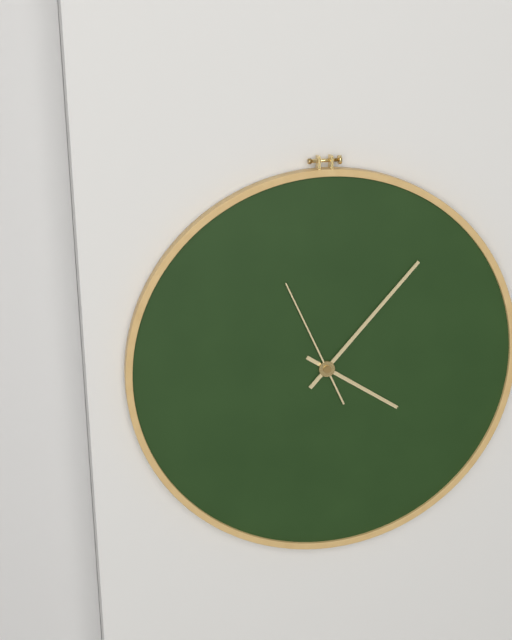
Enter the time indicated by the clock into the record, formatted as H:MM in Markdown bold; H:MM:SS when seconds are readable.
**4:07:56**
